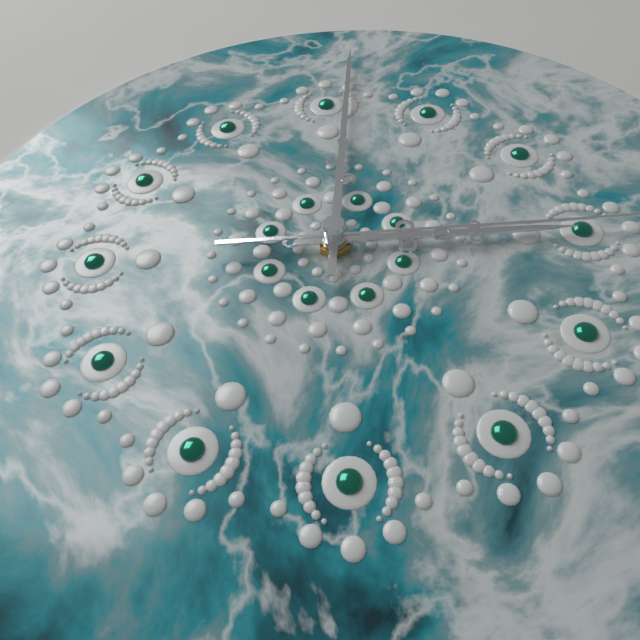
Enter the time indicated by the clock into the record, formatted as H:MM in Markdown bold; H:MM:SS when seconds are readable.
**3:01**
